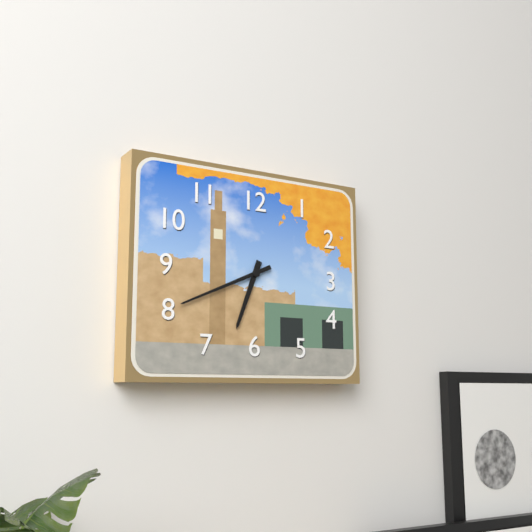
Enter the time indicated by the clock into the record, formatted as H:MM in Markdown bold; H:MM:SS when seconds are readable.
**6:41**
